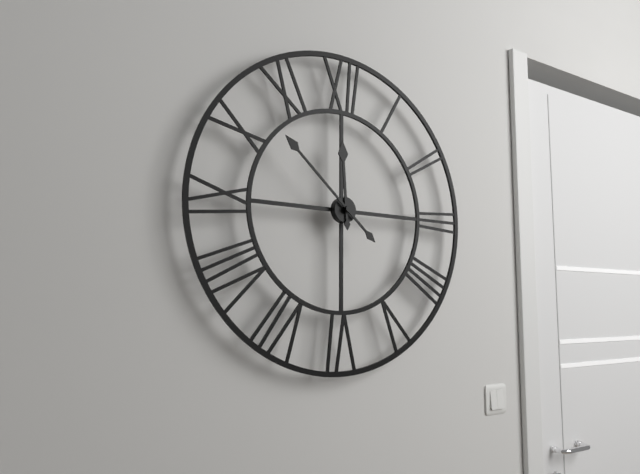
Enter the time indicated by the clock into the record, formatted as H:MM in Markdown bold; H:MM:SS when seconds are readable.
**11:52**
